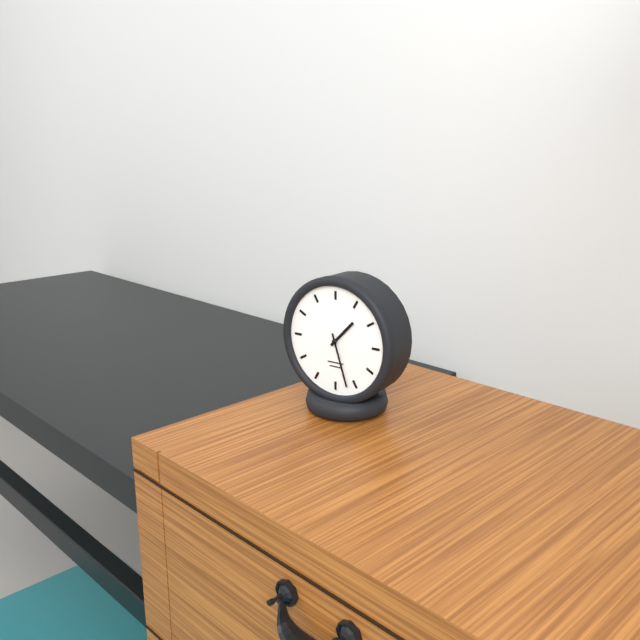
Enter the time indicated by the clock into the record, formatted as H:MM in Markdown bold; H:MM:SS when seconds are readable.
**1:27**
